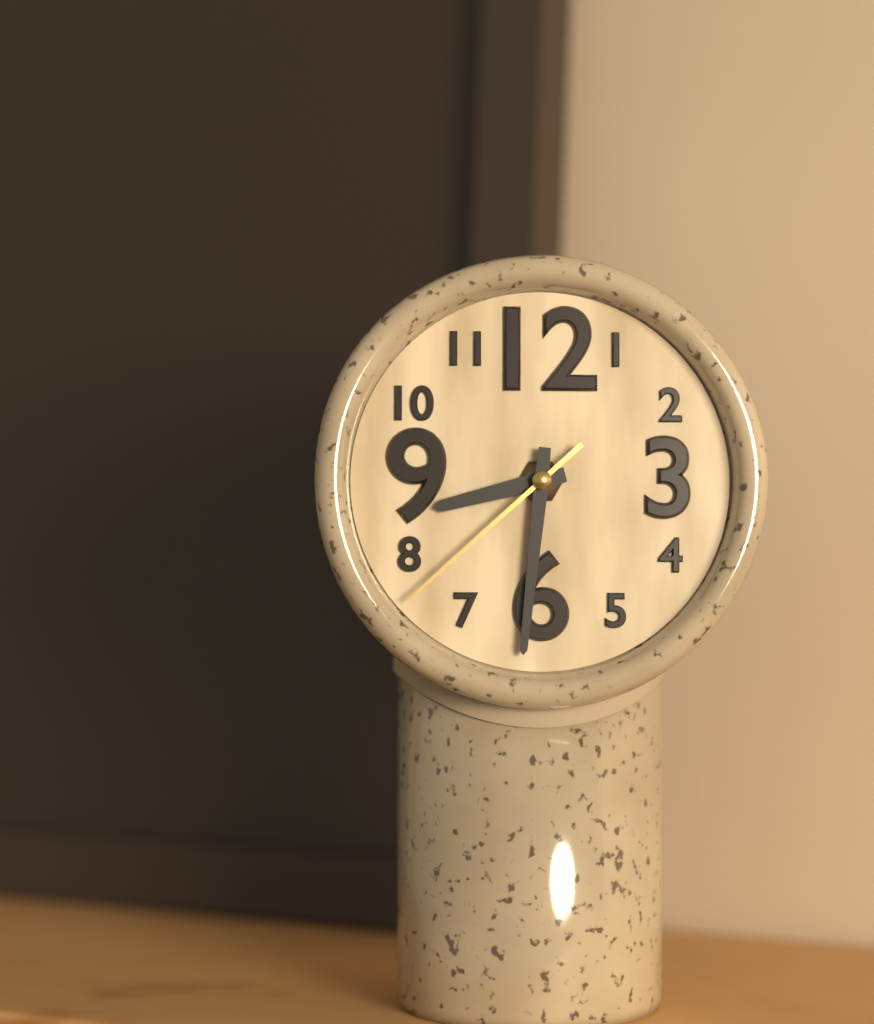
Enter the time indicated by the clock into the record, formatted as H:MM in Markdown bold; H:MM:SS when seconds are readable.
**8:31:38**
